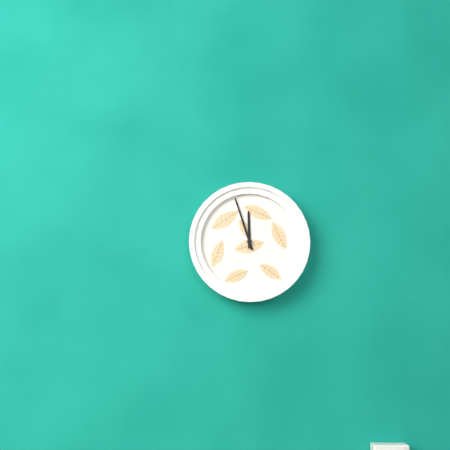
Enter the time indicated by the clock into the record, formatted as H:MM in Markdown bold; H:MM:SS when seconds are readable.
**11:57**
